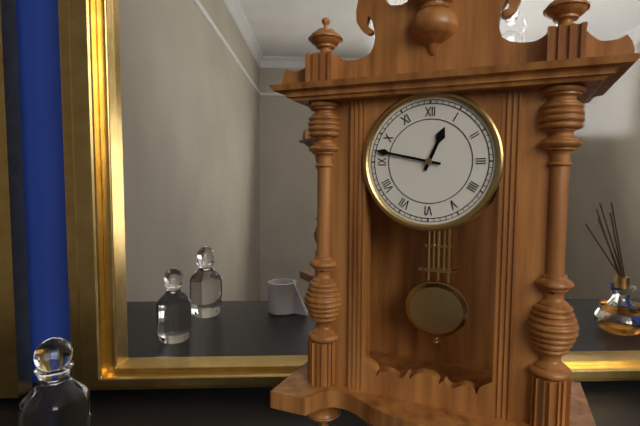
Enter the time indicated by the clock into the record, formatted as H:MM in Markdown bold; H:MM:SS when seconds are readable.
**12:47**
